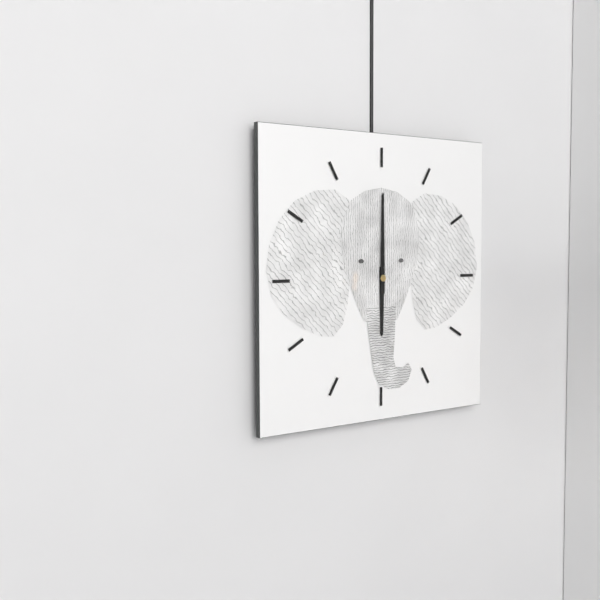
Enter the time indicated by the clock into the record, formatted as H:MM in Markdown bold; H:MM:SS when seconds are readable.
**6:00**
